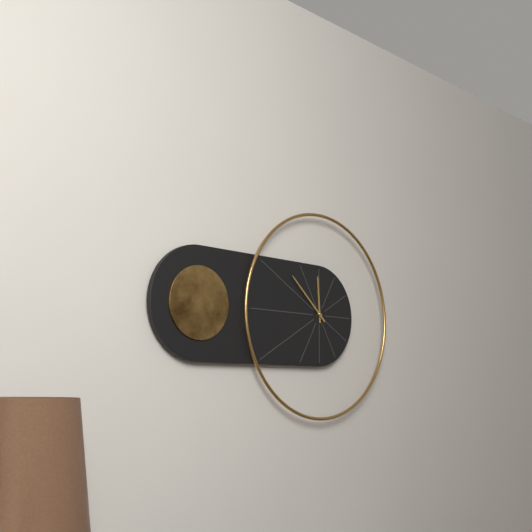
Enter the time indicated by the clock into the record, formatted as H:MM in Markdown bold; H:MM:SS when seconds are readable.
**11:52**
